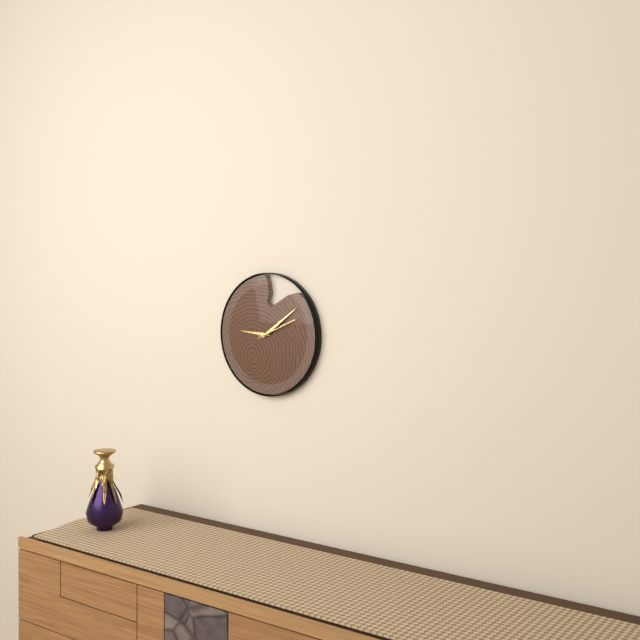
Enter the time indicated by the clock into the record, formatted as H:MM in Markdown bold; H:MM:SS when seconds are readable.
**9:09**
